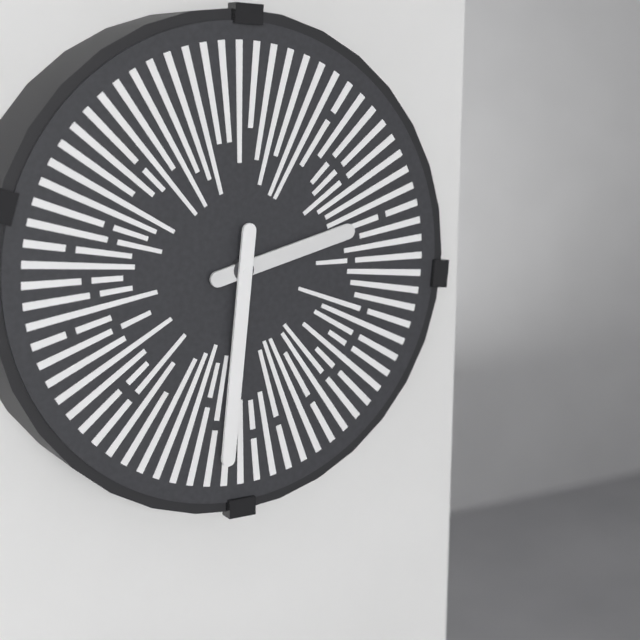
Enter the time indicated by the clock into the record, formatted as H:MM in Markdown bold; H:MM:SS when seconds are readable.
**2:31**
